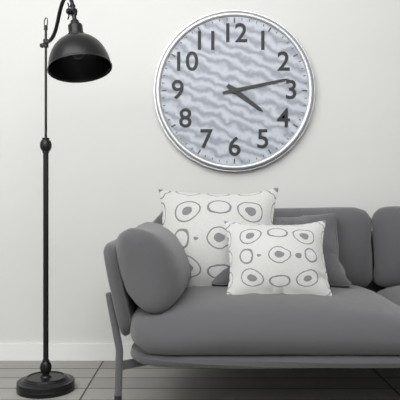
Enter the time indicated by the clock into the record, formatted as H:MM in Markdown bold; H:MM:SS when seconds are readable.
**4:13**
